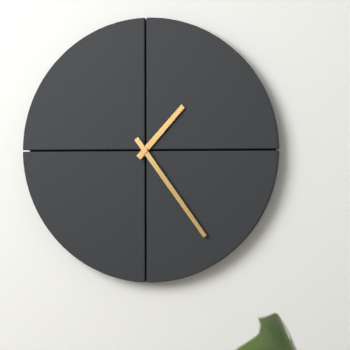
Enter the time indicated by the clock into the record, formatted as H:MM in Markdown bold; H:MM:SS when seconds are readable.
**1:24**
